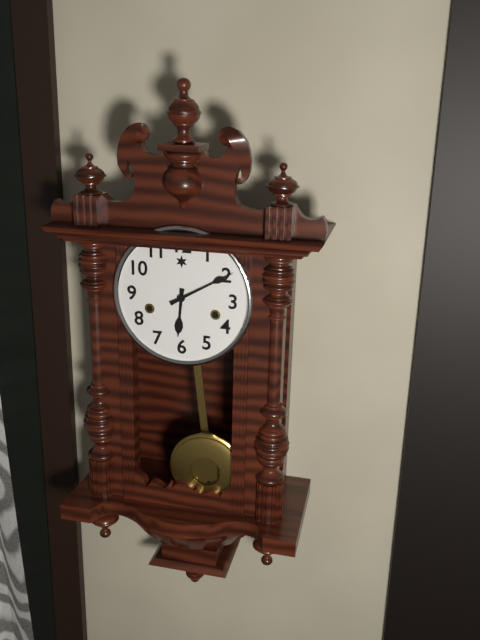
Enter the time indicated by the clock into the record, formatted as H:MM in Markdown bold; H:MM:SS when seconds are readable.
**6:10**
